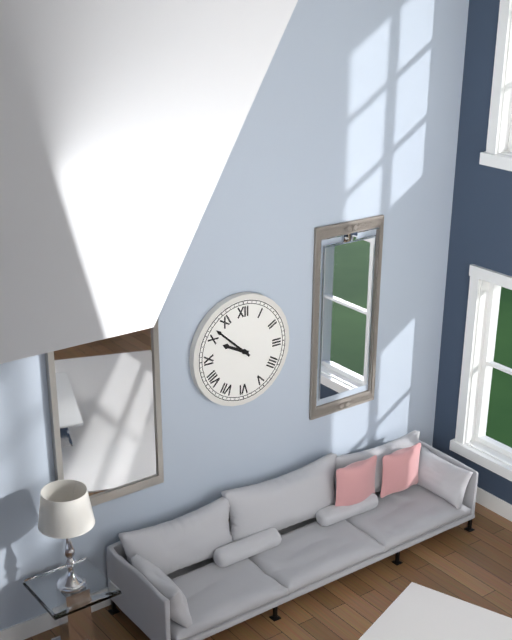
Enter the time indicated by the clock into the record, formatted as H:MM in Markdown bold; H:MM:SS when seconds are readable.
**9:52**
